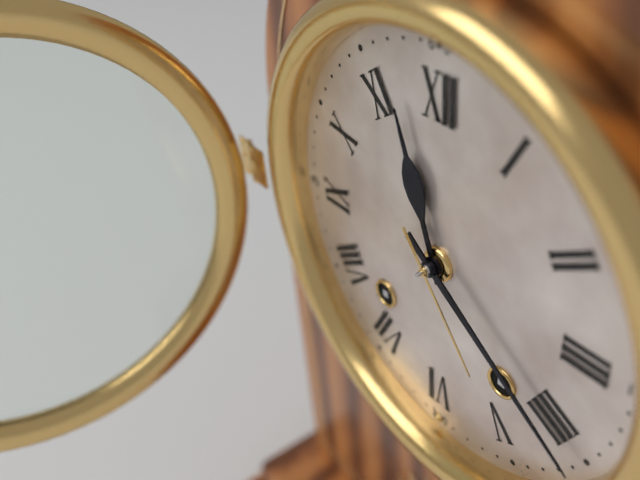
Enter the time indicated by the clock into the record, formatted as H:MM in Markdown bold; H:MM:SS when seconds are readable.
**11:21**
